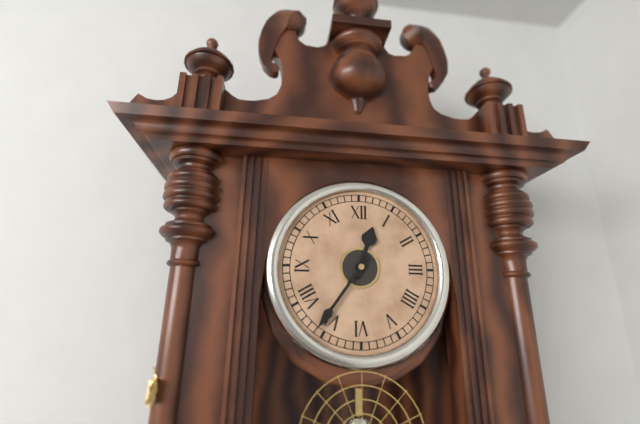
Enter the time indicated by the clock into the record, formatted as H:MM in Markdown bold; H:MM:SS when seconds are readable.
**12:36**
